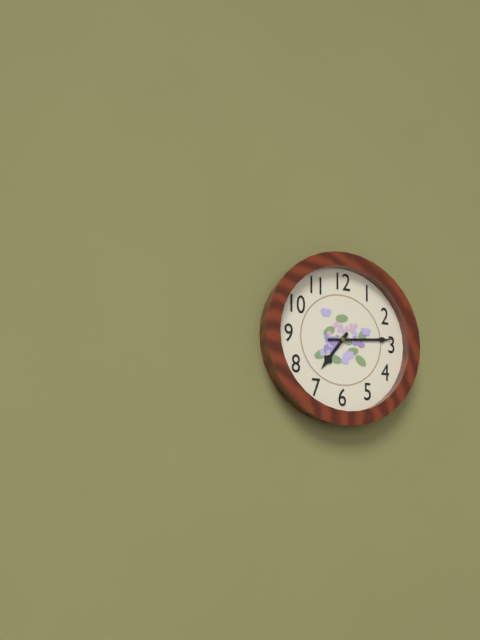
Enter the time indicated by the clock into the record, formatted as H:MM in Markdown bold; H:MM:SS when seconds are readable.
**7:14**
